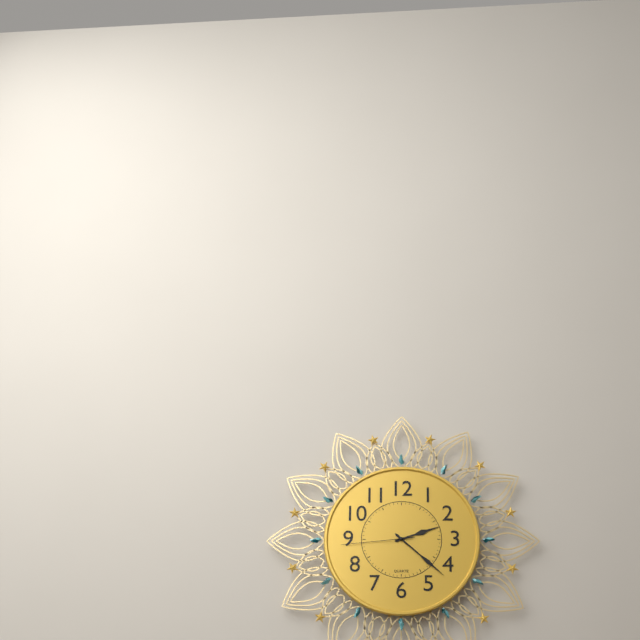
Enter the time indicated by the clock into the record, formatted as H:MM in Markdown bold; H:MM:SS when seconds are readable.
**2:22:44**
